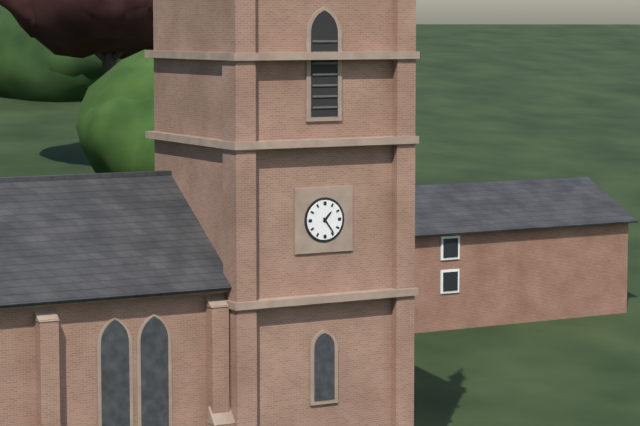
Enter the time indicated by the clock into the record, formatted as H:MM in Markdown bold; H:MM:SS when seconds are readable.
**1:24**
